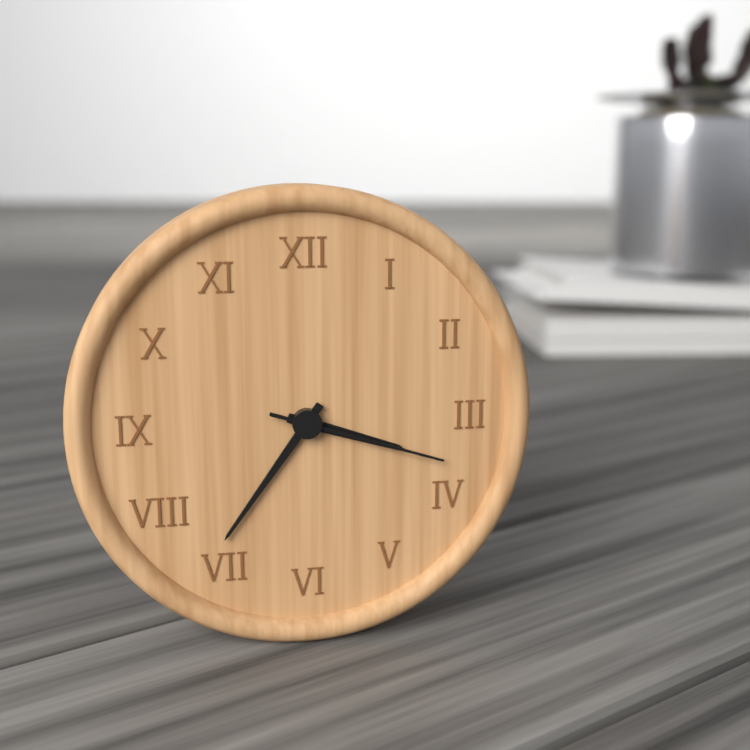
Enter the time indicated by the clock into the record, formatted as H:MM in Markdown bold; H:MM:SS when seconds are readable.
**3:36:18**
